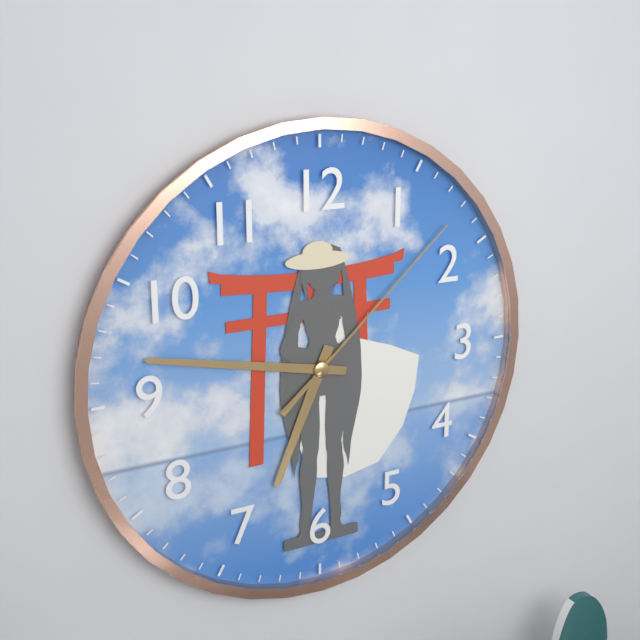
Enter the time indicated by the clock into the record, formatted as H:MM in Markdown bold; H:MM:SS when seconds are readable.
**6:47:08**
